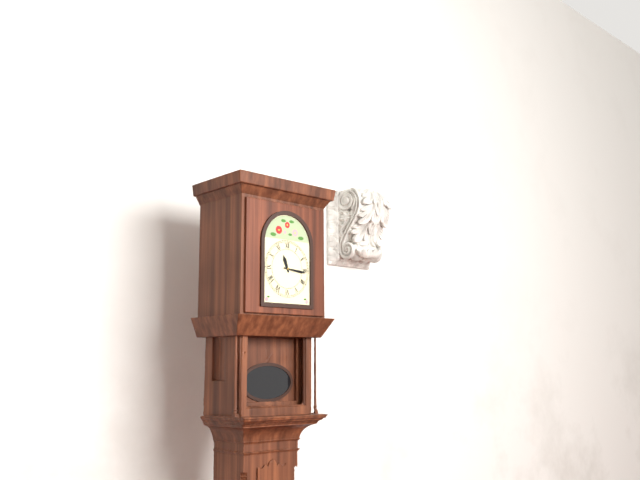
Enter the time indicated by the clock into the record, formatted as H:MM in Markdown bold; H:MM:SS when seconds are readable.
**11:16**
